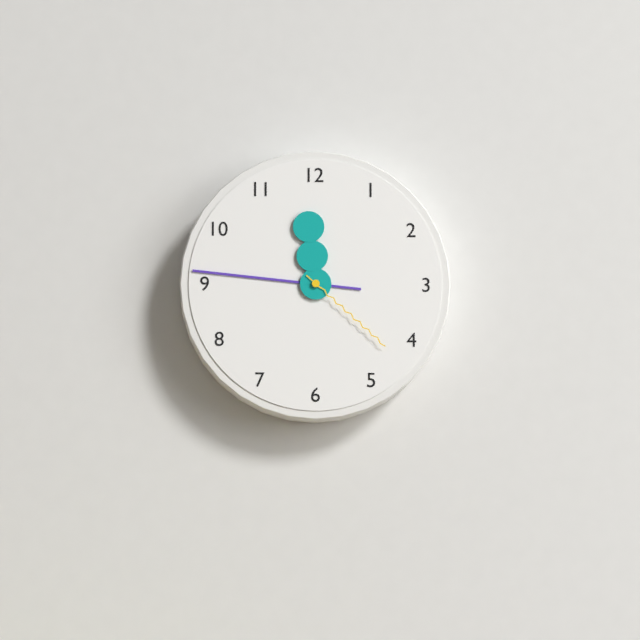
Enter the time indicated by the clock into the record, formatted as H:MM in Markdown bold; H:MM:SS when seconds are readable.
**11:46:22**
